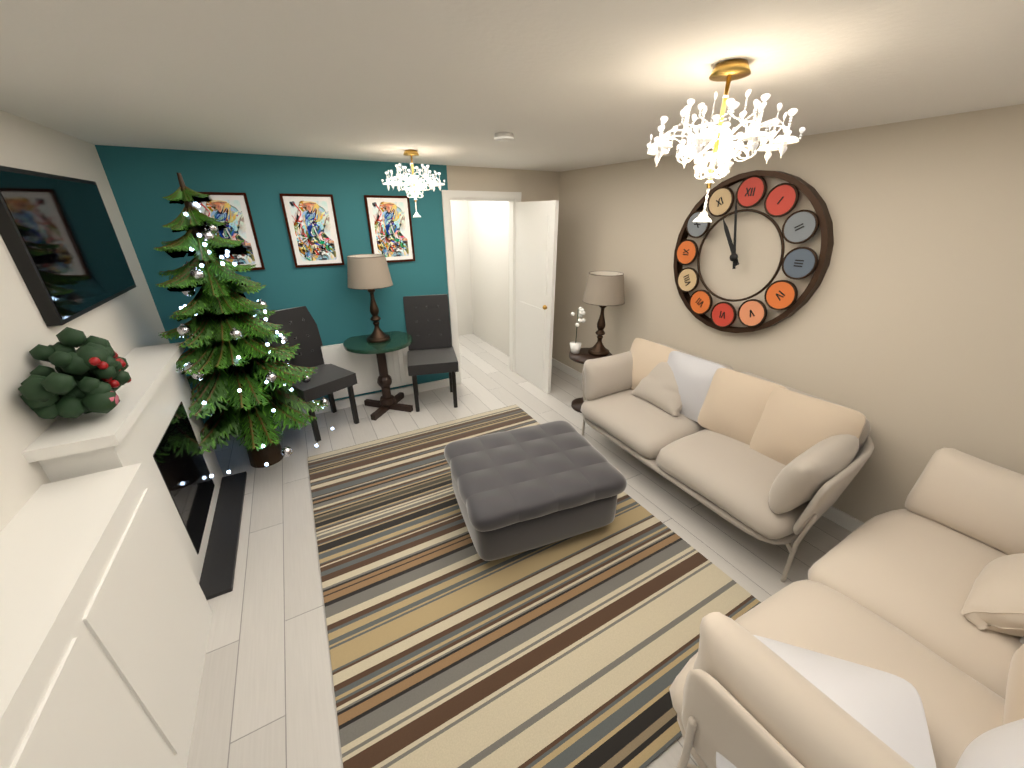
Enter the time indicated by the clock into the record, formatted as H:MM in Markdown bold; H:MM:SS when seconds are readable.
**10:58**
